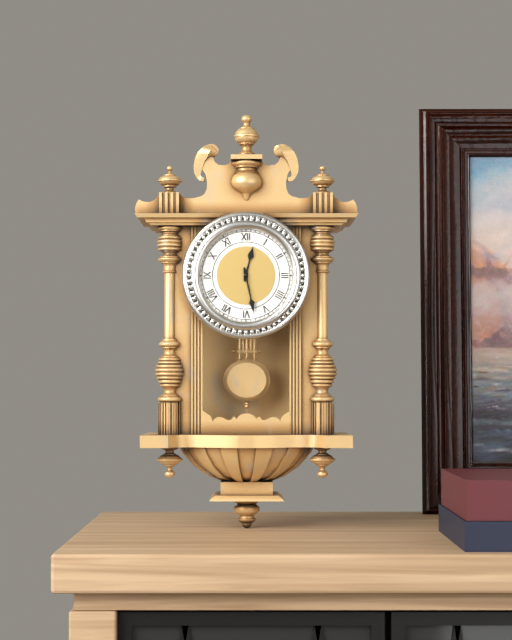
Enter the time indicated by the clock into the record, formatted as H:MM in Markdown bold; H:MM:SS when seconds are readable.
**12:28**
